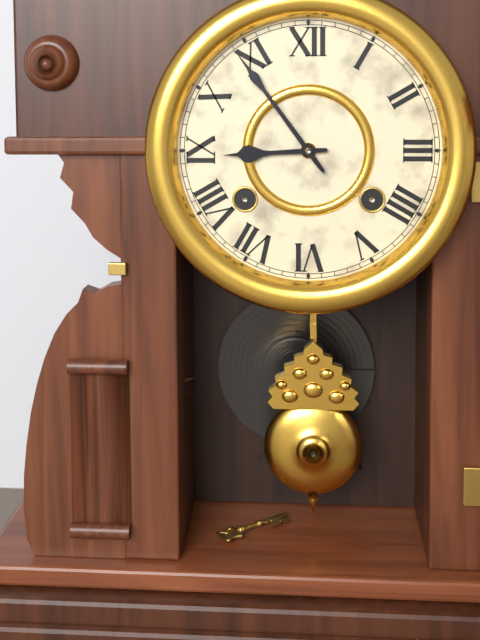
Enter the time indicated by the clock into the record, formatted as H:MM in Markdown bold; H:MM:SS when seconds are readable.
**8:54**
